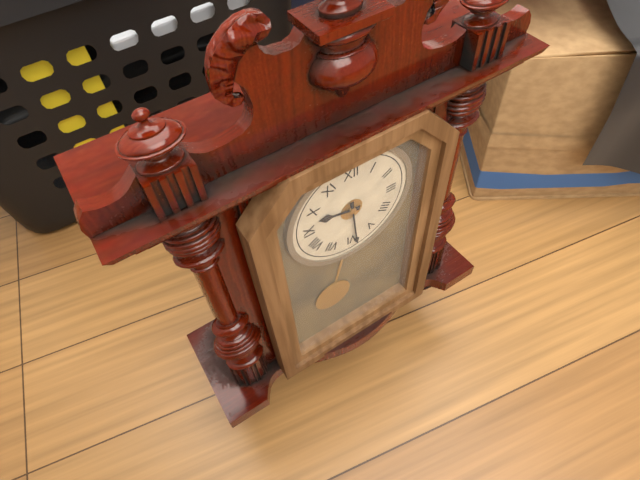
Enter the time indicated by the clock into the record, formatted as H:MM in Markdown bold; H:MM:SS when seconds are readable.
**9:29**
